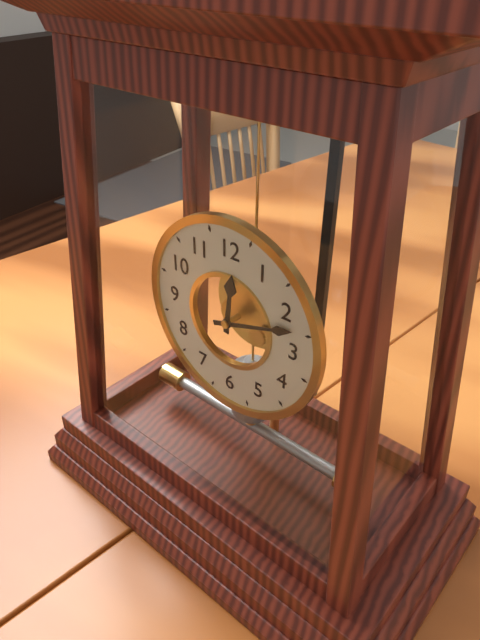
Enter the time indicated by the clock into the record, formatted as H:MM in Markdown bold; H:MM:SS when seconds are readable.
**12:12**
